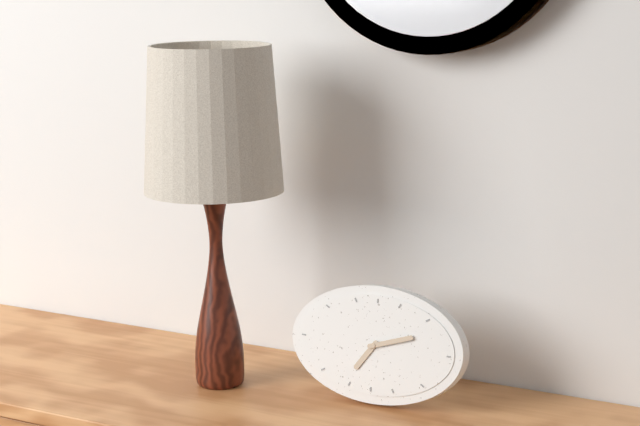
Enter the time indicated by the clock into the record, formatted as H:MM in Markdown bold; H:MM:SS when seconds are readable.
**7:12**
